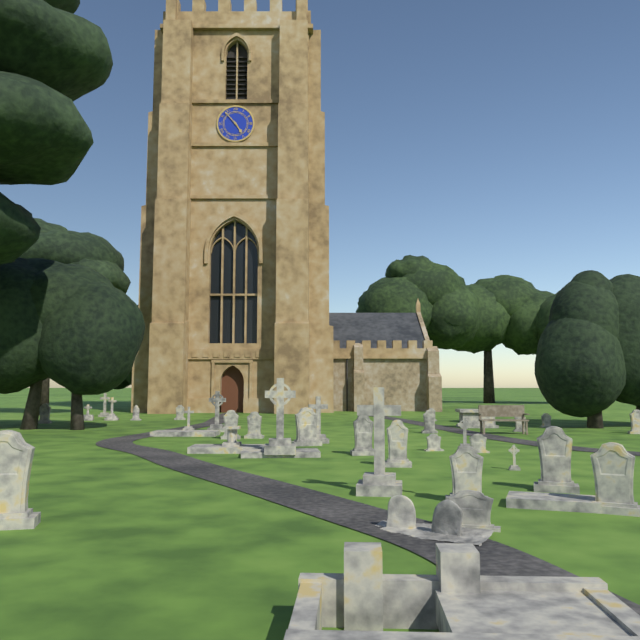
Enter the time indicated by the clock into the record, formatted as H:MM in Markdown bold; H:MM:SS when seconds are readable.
**4:53**
